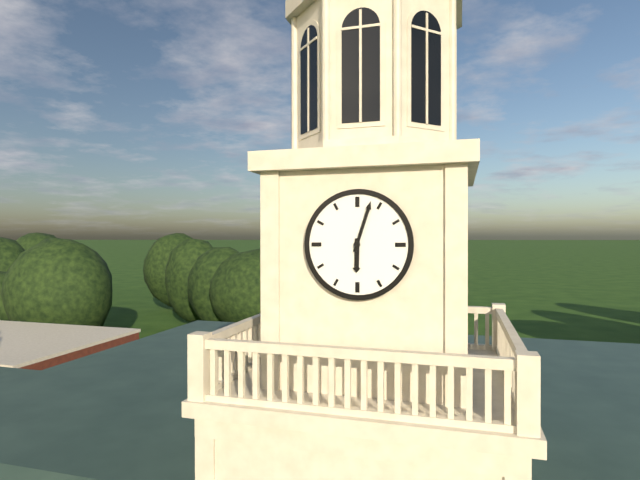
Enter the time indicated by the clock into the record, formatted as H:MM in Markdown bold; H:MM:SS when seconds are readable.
**6:03**
